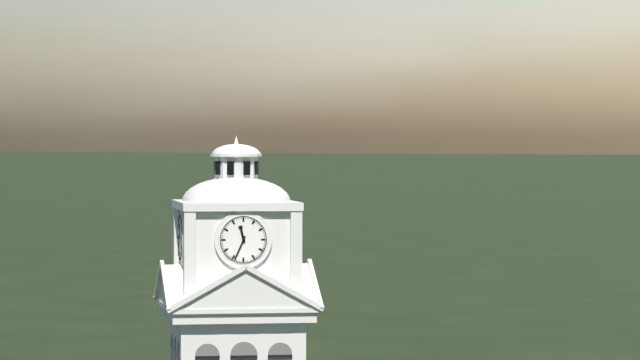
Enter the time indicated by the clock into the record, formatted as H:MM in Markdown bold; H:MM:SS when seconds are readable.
**11:34**
